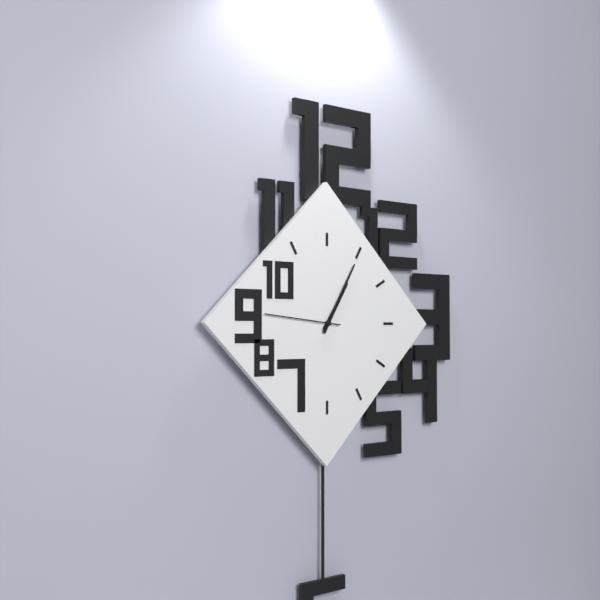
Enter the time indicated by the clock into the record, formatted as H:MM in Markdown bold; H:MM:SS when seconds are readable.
**1:05:46**
